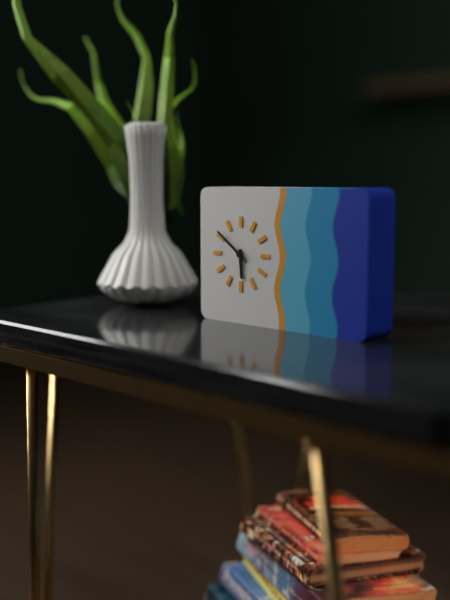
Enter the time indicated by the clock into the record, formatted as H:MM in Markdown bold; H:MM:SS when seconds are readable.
**5:51**
